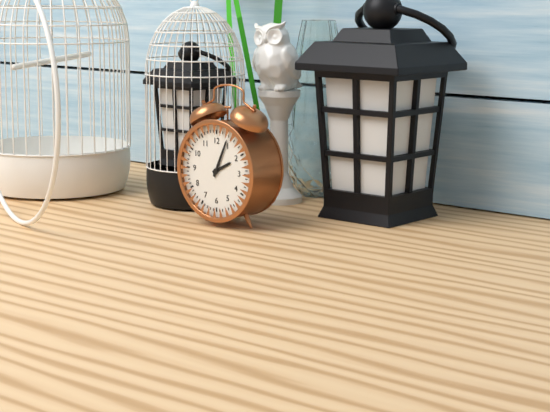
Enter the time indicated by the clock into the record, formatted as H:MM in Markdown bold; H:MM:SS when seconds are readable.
**2:04**
